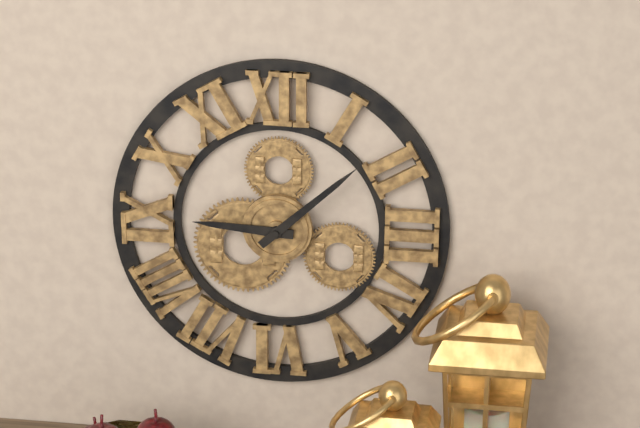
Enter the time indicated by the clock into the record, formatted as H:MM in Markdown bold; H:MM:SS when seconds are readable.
**9:08**
